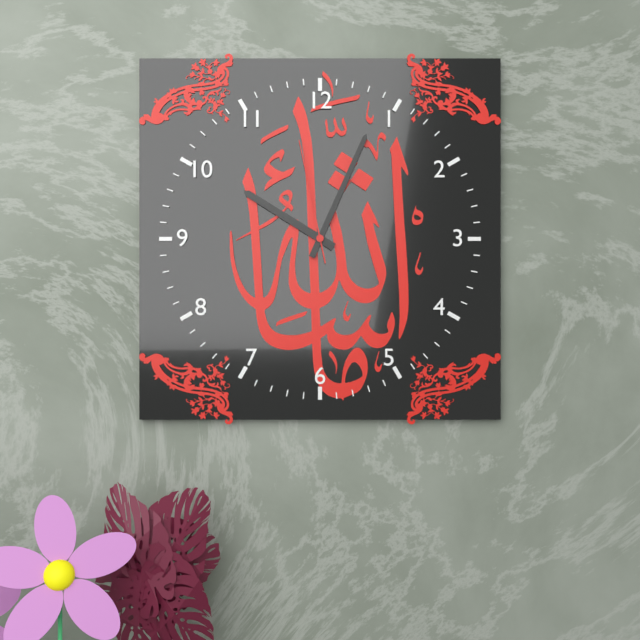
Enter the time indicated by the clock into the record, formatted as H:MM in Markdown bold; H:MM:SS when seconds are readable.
**10:04:58**
